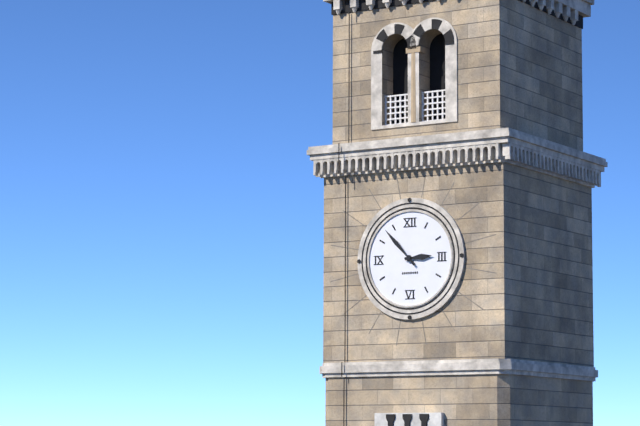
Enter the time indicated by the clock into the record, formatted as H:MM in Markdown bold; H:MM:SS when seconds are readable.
**2:53**
